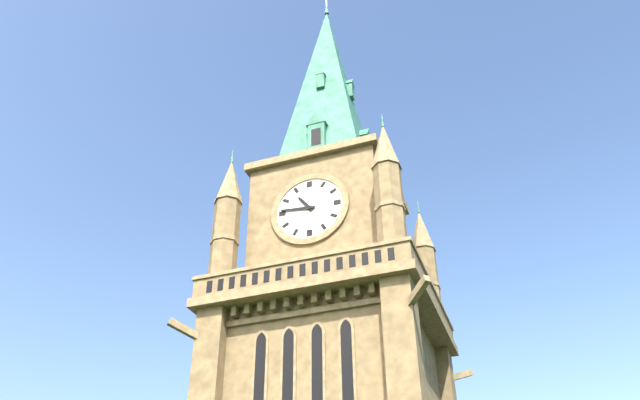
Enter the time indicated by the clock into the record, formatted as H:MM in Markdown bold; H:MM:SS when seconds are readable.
**10:46**
